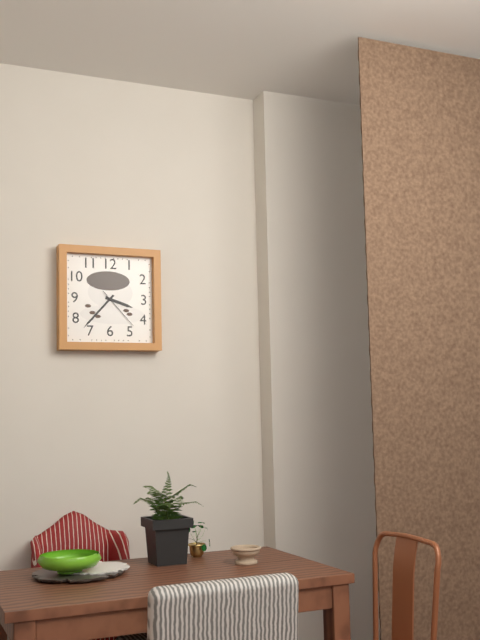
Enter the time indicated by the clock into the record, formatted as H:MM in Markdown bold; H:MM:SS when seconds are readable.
**3:37**
